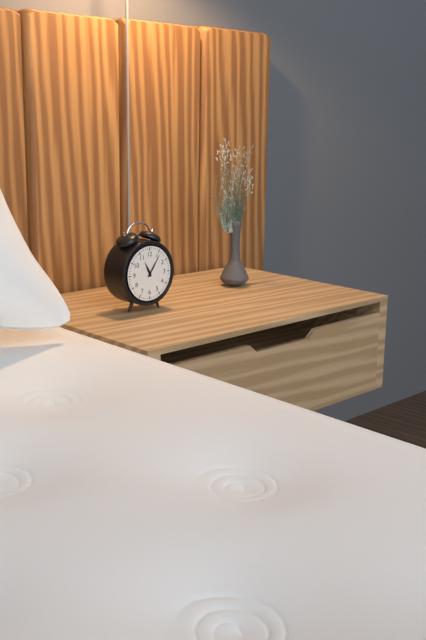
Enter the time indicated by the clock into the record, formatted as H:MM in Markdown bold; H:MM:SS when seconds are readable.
**11:06**
